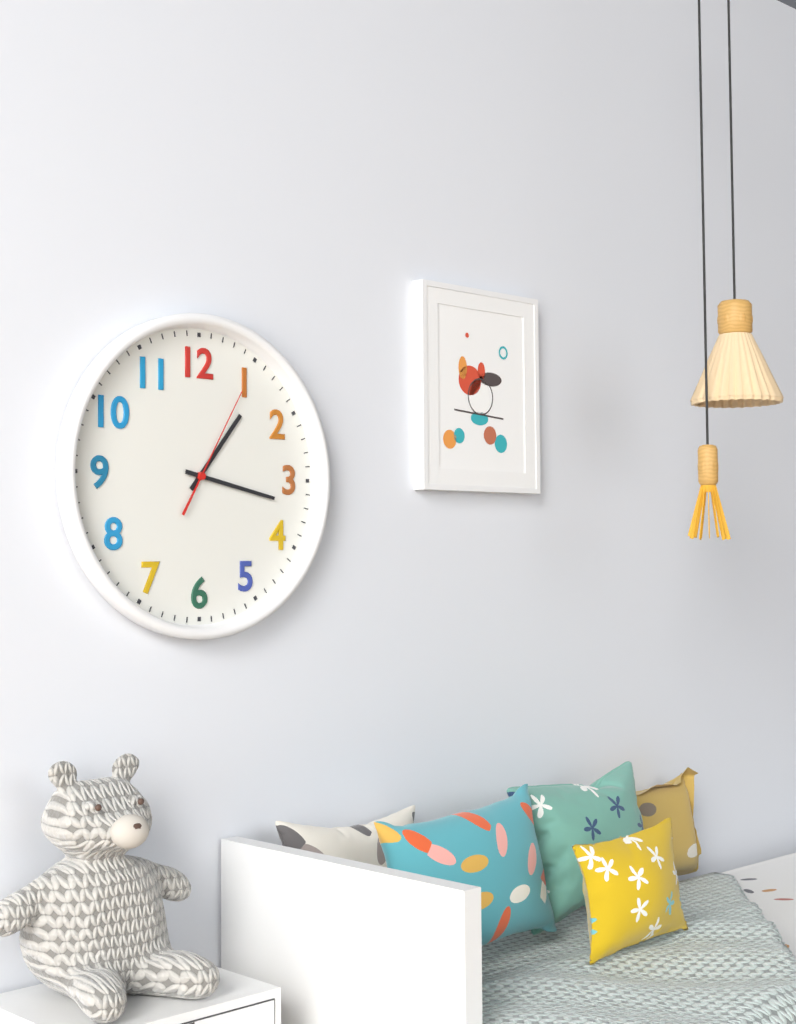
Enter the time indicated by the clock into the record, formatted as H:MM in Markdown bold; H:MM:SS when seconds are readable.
**1:17:05**
